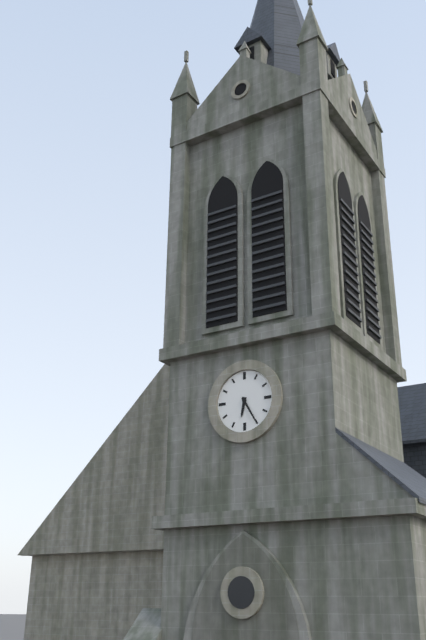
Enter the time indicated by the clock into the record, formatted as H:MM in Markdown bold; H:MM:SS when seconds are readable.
**6:25**
